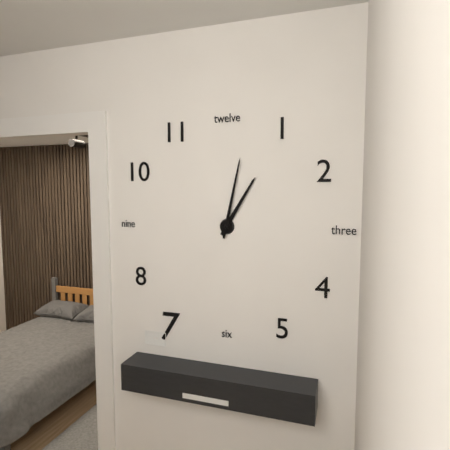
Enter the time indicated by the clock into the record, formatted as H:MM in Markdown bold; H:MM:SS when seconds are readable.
**1:02**
